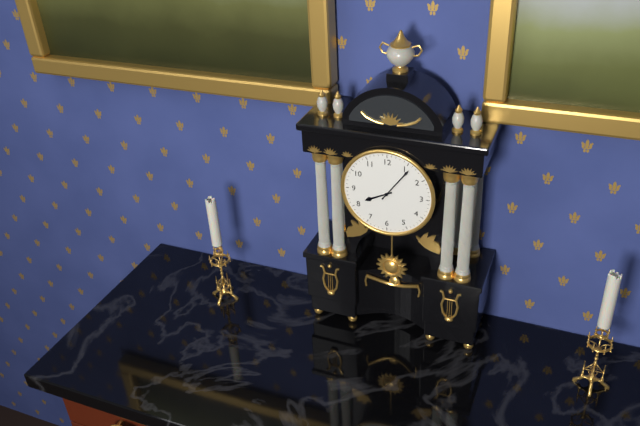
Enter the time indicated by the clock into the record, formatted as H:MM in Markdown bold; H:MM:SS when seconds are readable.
**8:06**
